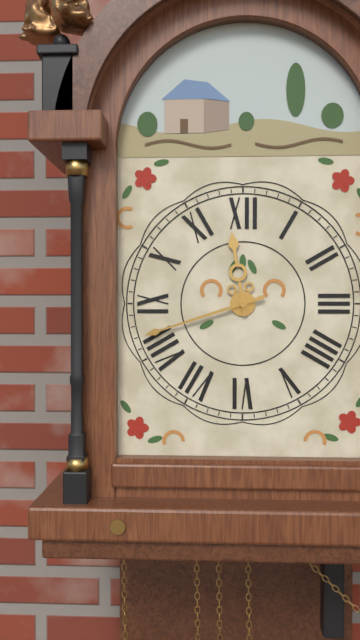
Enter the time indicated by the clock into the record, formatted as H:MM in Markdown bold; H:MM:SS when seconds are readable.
**11:42**
